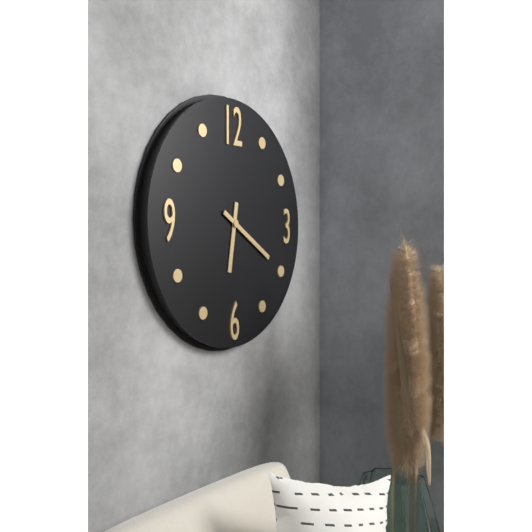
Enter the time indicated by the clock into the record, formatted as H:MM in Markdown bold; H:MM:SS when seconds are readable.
**6:20**
